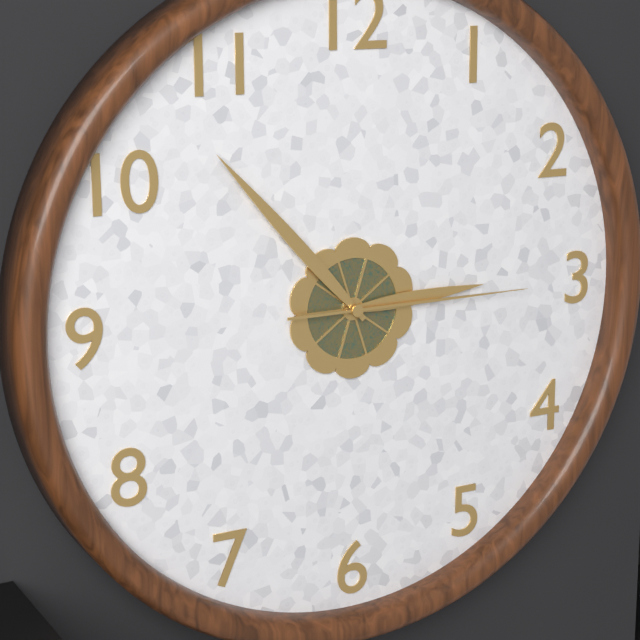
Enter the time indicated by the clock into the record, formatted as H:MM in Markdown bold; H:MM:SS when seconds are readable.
**2:53:15**
